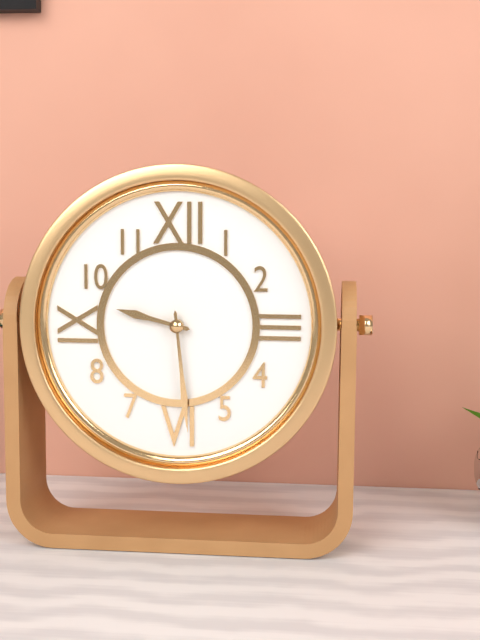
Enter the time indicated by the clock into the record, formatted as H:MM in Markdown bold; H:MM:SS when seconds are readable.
**9:29**
